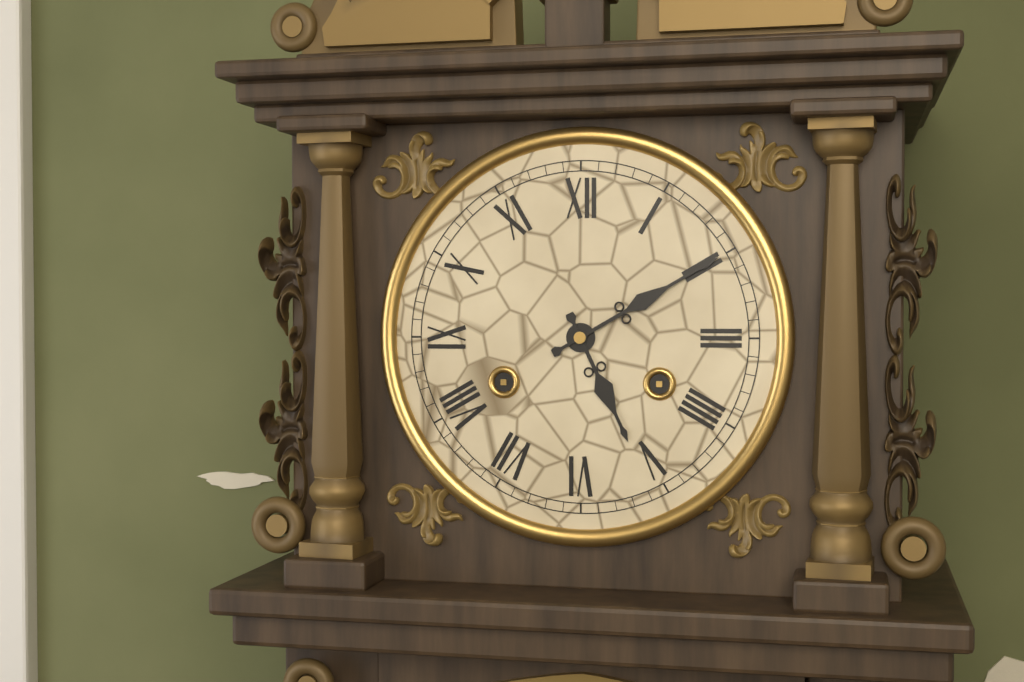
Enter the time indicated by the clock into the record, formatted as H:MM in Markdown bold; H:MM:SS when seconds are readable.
**5:10**
